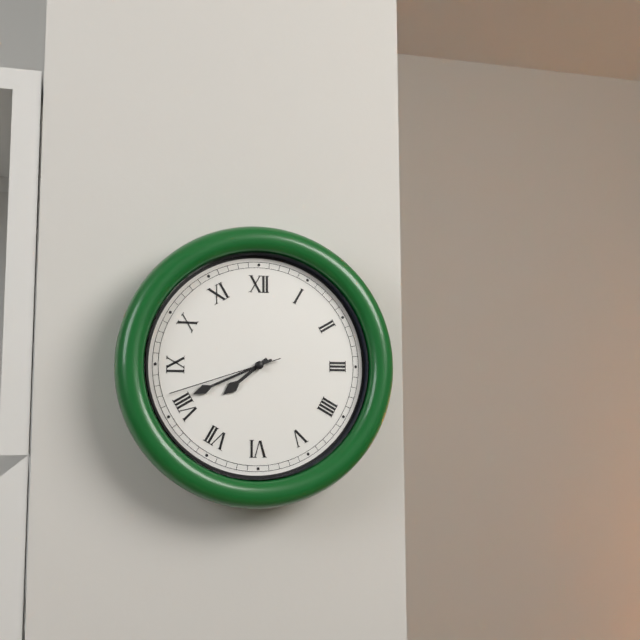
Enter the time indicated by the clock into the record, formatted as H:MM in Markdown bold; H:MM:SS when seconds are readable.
**7:41:42**
